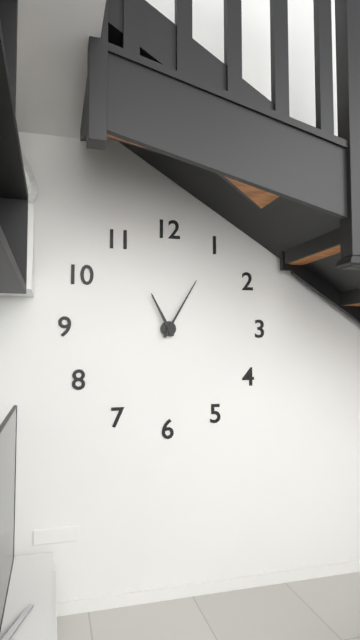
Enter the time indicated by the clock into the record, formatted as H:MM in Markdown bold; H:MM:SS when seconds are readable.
**11:05**
